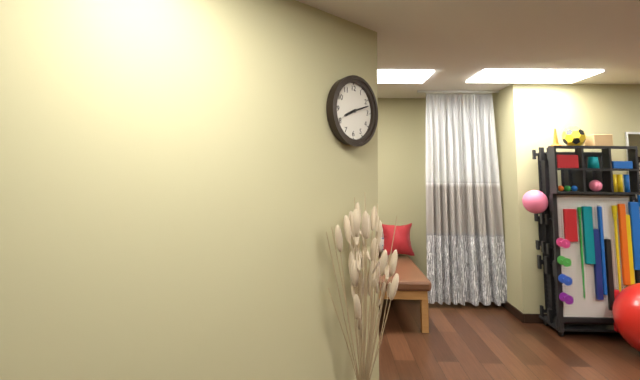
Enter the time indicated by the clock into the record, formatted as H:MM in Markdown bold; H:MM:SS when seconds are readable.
**8:12**
